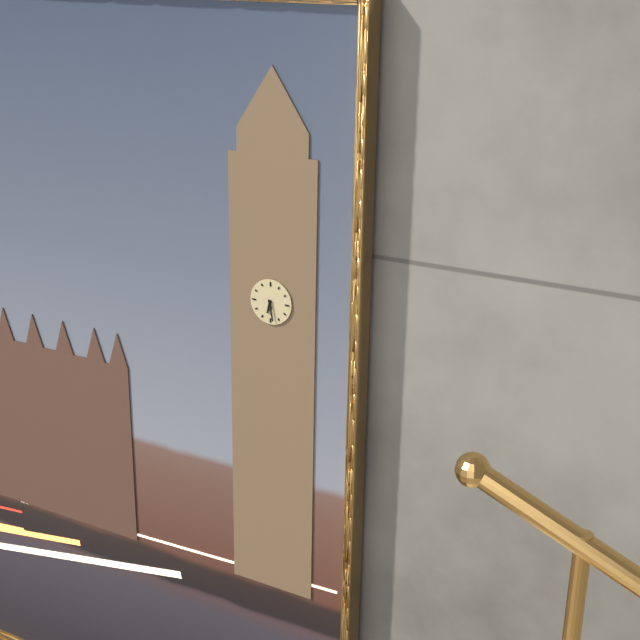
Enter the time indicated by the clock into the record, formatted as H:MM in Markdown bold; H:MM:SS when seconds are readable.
**6:28**
